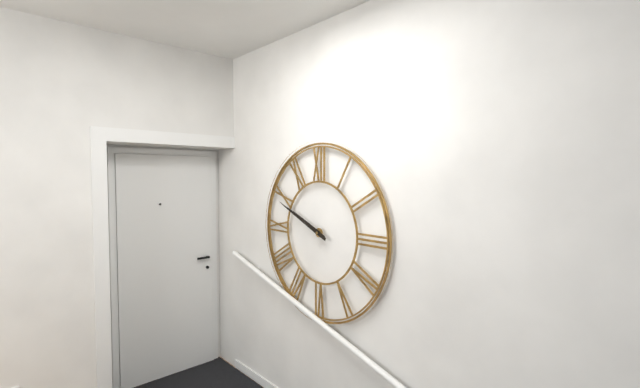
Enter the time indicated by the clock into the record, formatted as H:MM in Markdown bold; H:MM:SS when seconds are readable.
**9:49**
